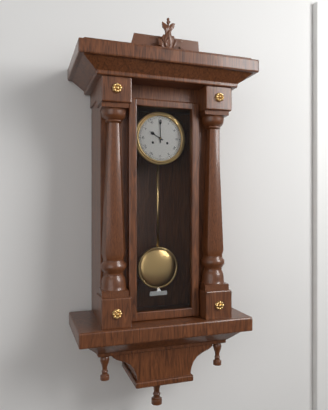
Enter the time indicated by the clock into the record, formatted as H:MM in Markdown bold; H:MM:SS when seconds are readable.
**10:00**
